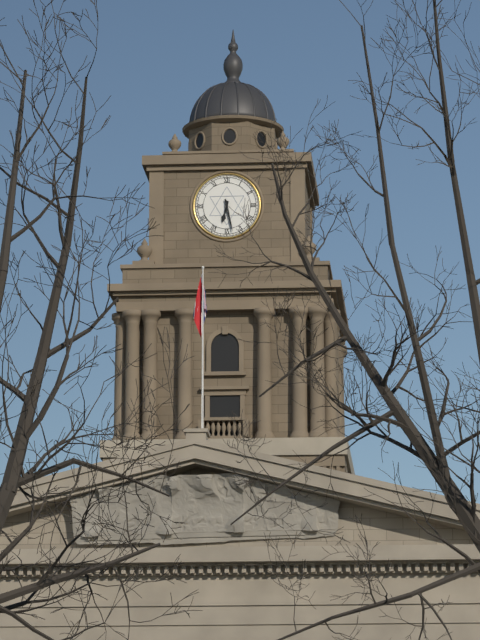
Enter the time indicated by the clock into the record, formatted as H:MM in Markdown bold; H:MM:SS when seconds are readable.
**6:28**
